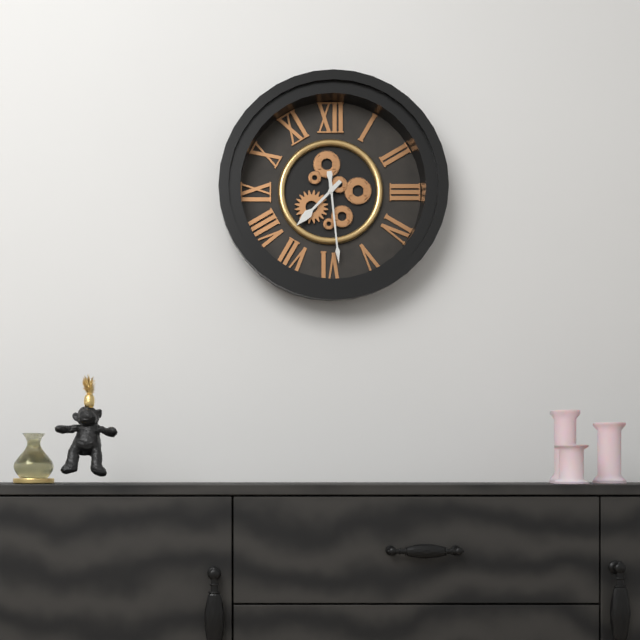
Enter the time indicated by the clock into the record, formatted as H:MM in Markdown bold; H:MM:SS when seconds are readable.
**7:29**
